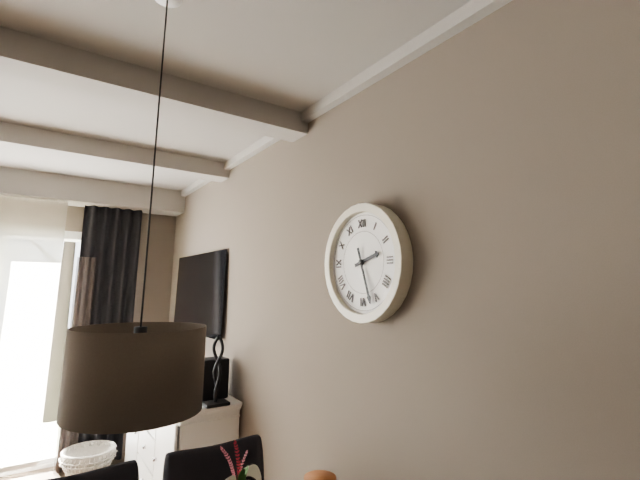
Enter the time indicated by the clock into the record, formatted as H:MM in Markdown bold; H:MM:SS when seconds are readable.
**2:27**
